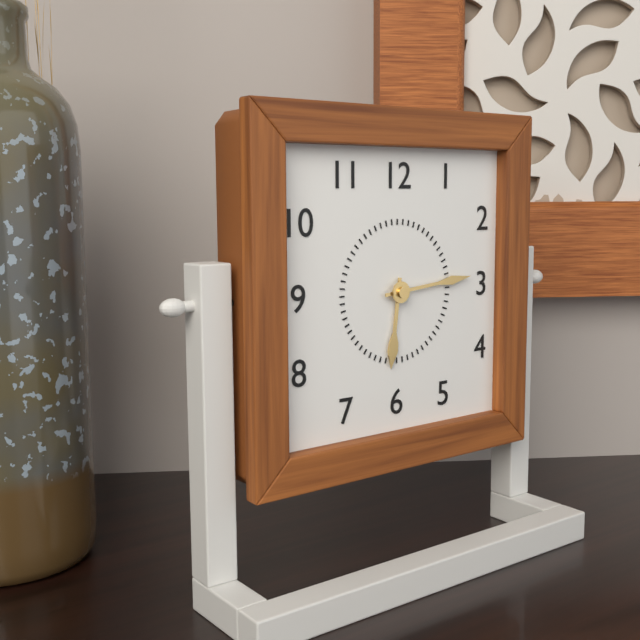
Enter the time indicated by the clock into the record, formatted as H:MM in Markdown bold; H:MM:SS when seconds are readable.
**6:14**
